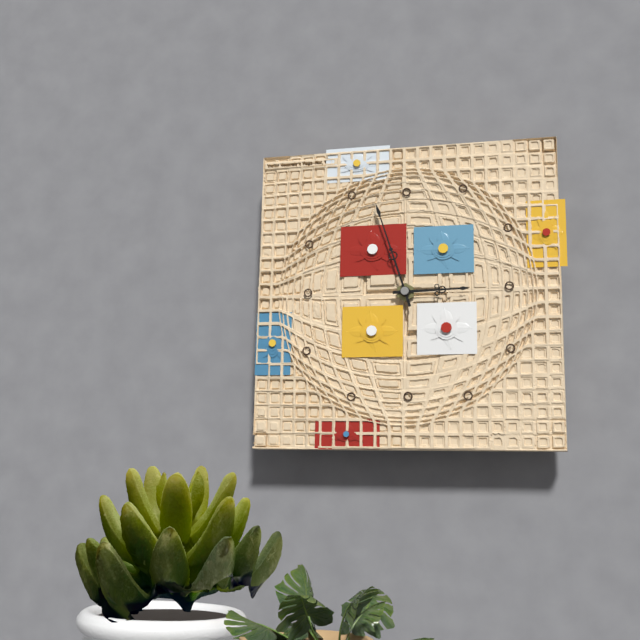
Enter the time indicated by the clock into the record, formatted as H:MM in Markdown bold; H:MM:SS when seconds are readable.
**2:57**
